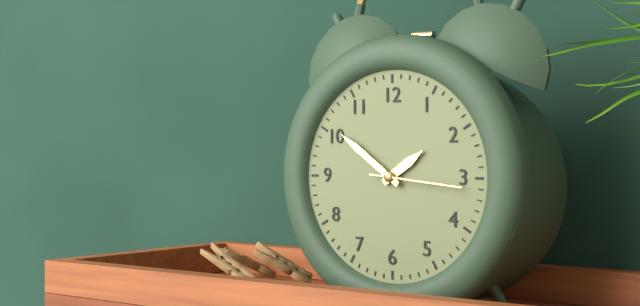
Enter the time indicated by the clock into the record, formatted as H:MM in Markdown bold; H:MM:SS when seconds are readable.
**1:51:16**
